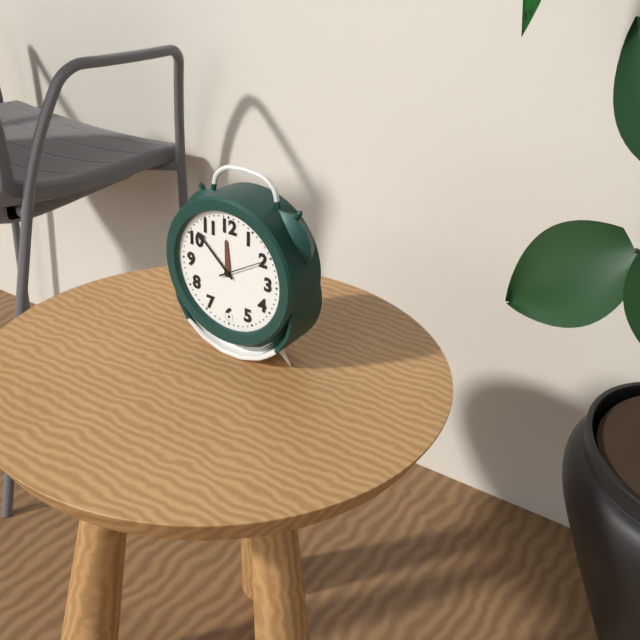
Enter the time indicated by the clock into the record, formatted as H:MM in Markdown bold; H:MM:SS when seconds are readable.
**11:52**
